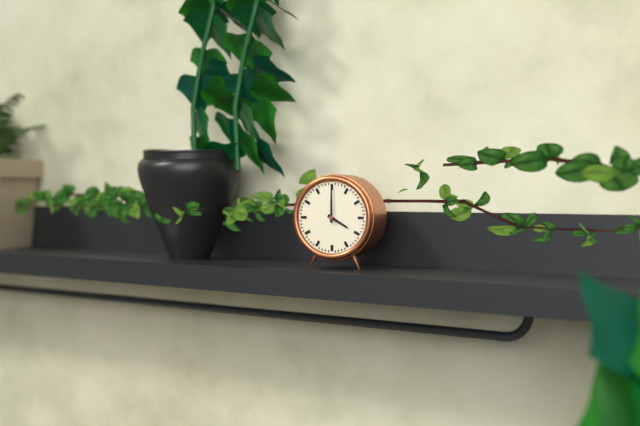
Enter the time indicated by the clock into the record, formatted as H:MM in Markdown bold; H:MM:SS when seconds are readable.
**4:00**
